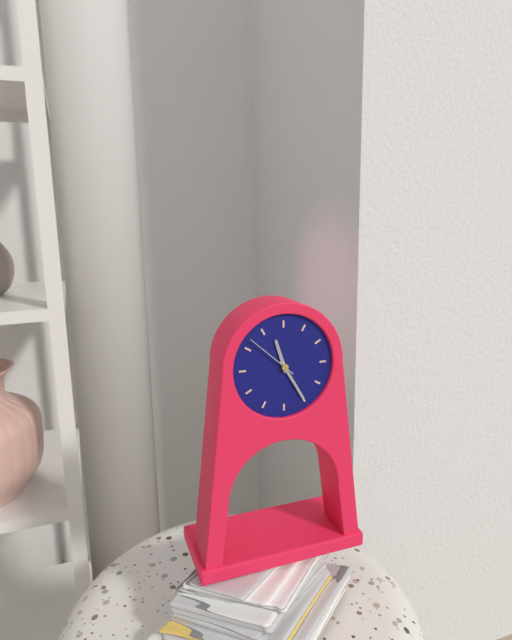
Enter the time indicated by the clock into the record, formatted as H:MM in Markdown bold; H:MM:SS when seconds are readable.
**11:25:52**
